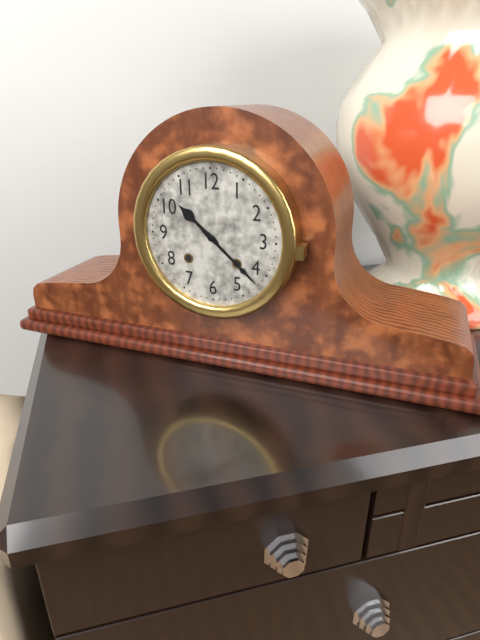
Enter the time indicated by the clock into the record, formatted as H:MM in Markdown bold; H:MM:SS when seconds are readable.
**10:22**
